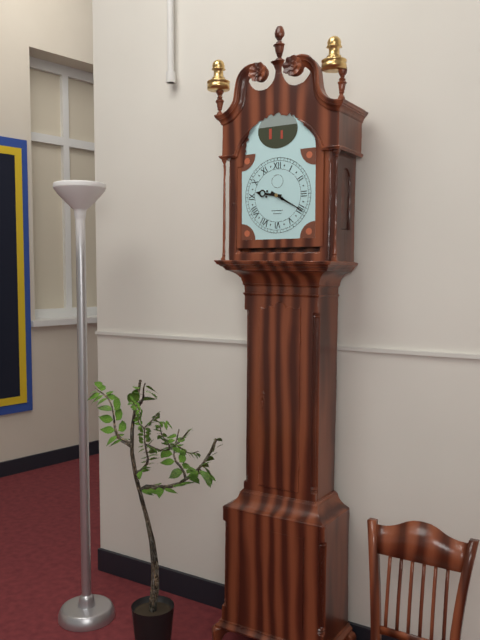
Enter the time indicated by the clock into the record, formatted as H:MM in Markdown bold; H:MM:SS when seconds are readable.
**9:20**
